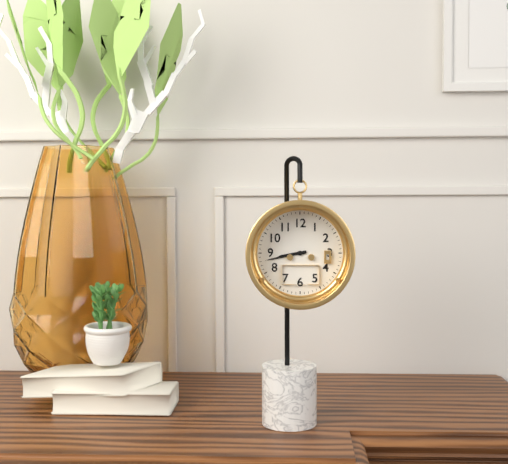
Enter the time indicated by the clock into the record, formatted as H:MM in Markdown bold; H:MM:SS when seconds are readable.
**8:43**
